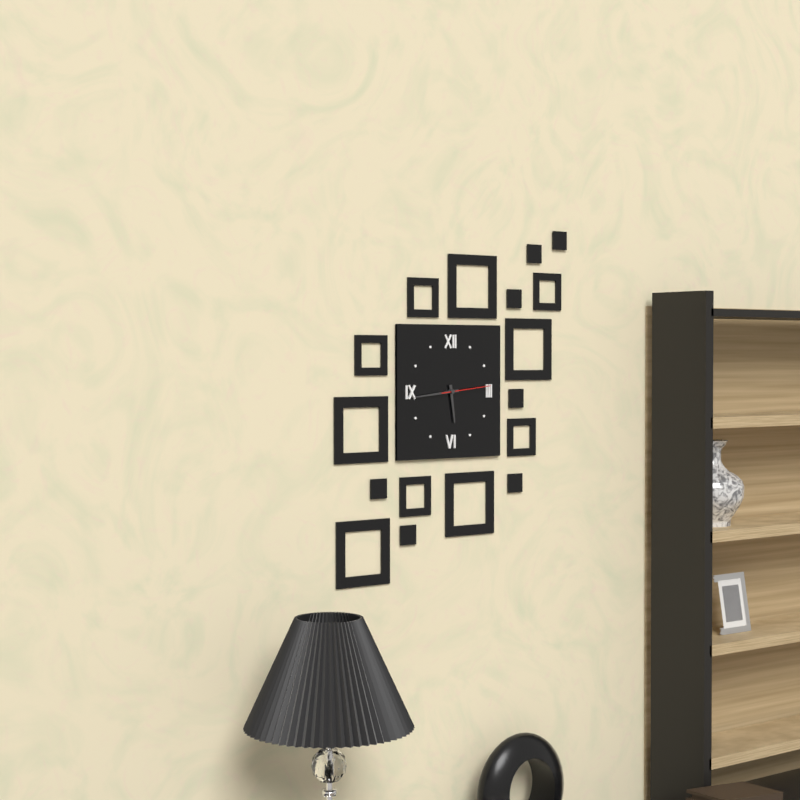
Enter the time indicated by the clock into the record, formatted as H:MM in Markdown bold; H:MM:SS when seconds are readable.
**5:44**
